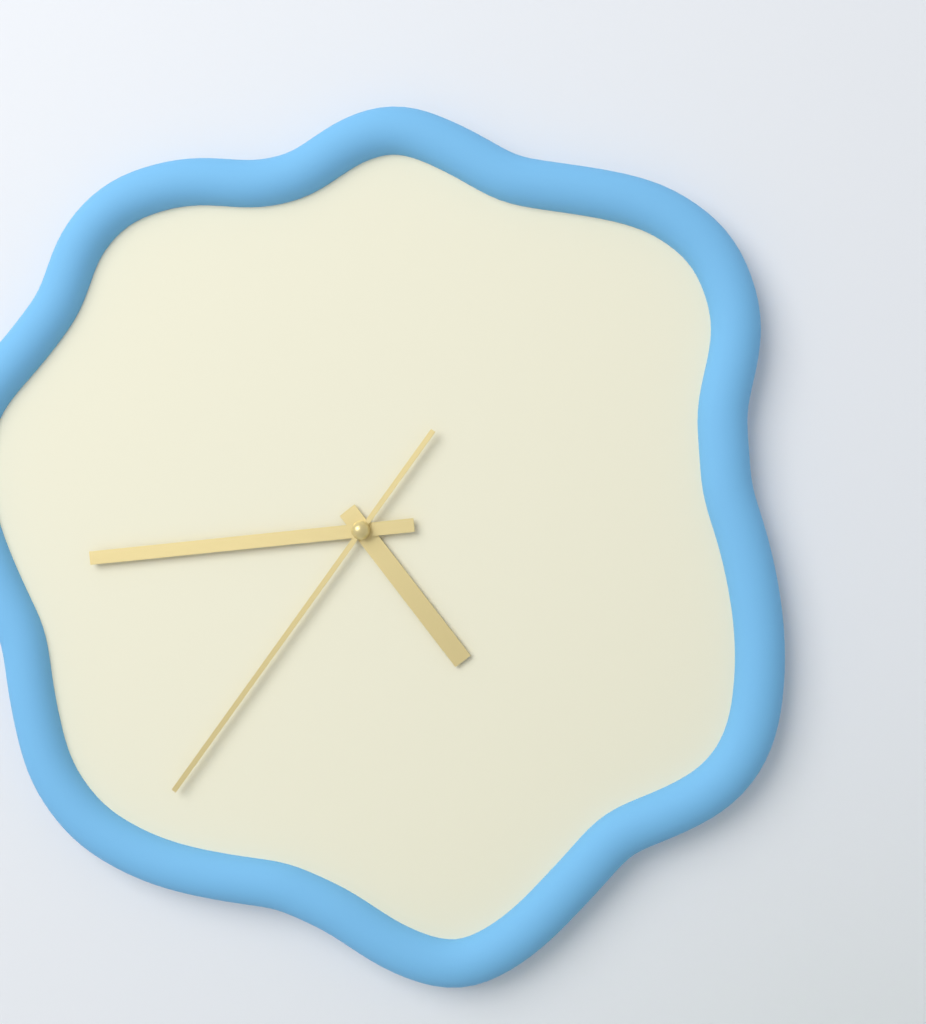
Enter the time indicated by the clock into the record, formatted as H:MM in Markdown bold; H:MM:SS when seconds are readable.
**4:44:36**
